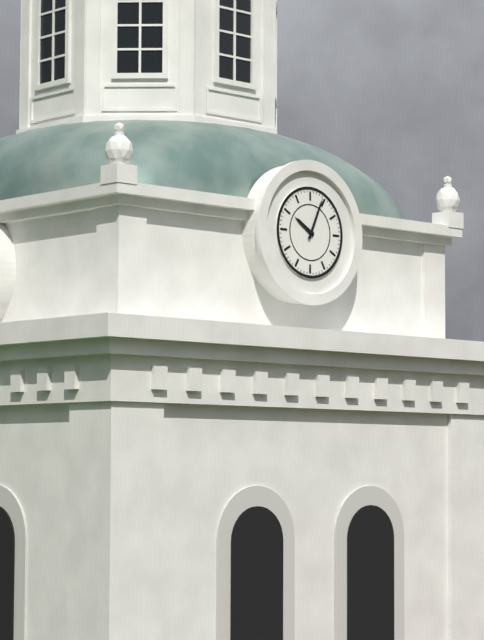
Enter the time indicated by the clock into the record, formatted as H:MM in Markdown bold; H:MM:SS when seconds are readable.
**10:04**
